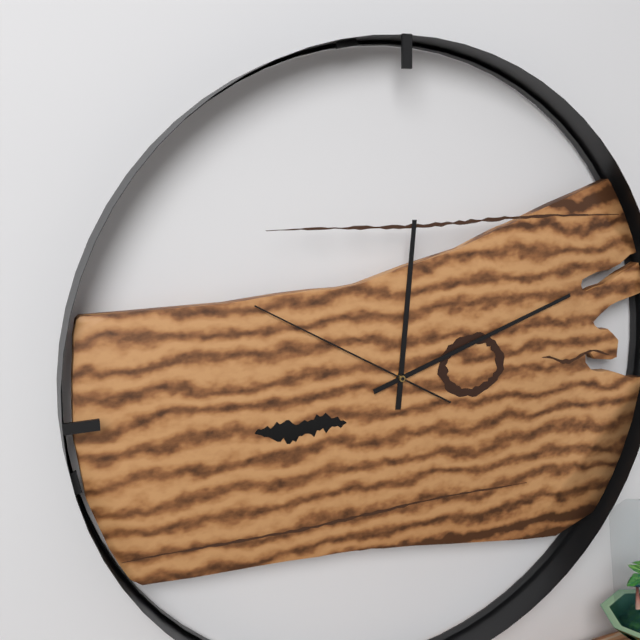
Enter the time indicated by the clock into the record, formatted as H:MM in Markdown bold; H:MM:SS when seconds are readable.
**12:12:50**
